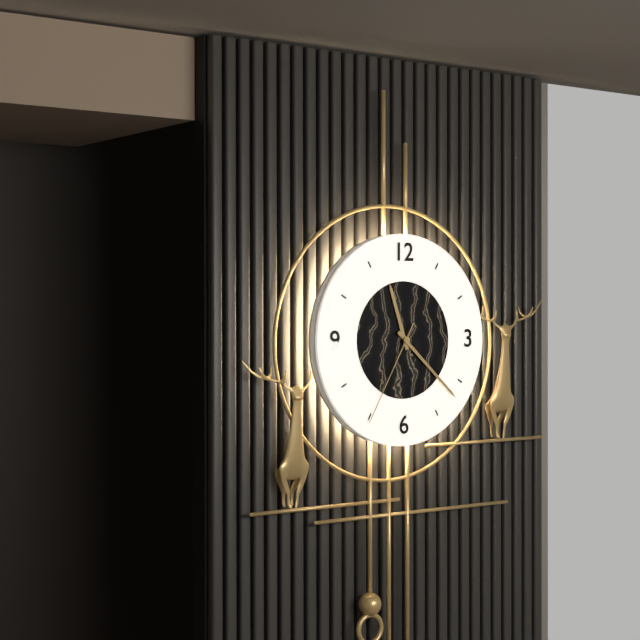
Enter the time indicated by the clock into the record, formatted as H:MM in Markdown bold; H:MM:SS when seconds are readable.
**11:22:35**
